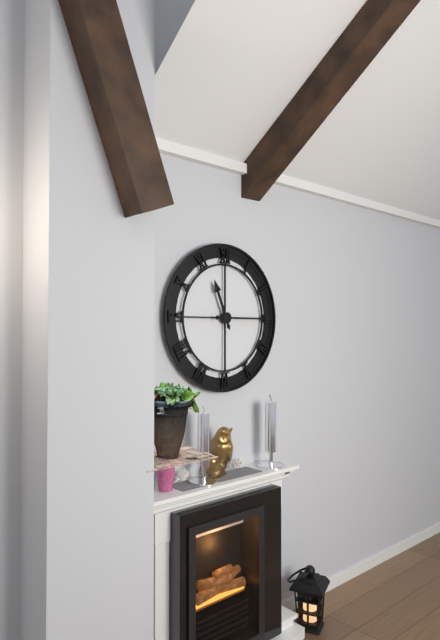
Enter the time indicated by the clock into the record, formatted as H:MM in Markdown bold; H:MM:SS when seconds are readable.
**11:15**
